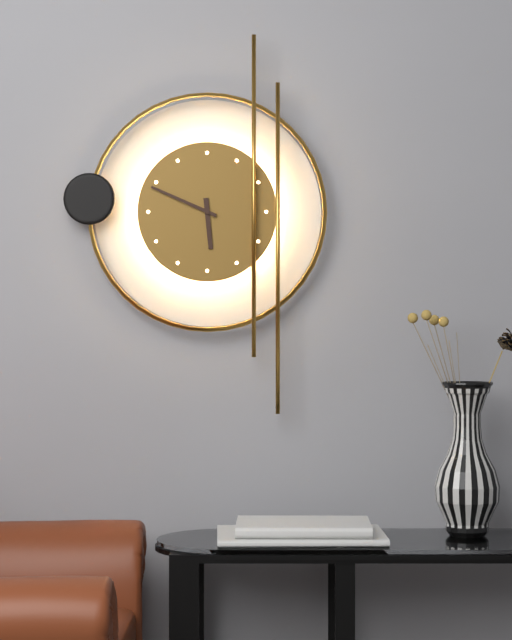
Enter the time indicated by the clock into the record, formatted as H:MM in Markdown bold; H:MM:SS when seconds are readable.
**5:49**
